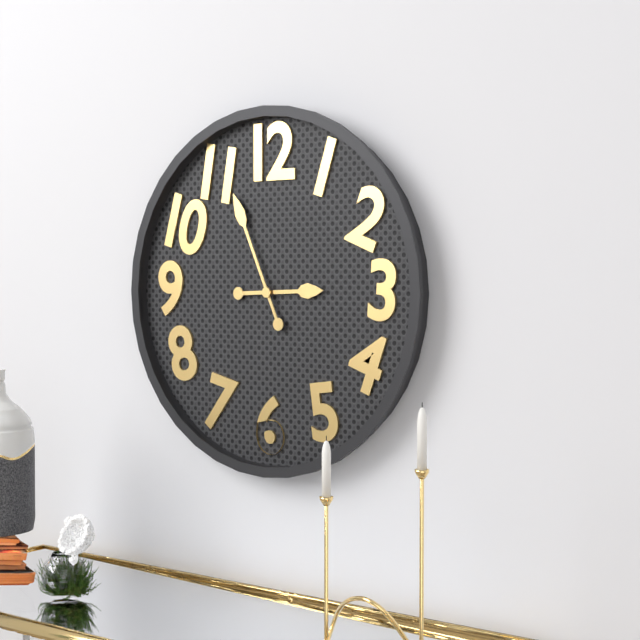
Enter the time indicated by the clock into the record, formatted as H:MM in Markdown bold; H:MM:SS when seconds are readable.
**2:56**
